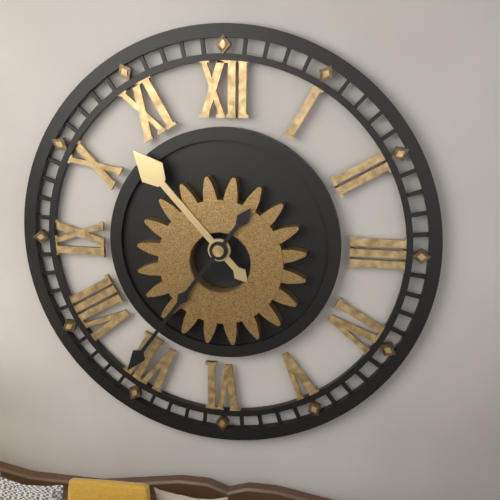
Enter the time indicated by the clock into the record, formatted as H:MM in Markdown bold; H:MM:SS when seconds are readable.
**10:36**
